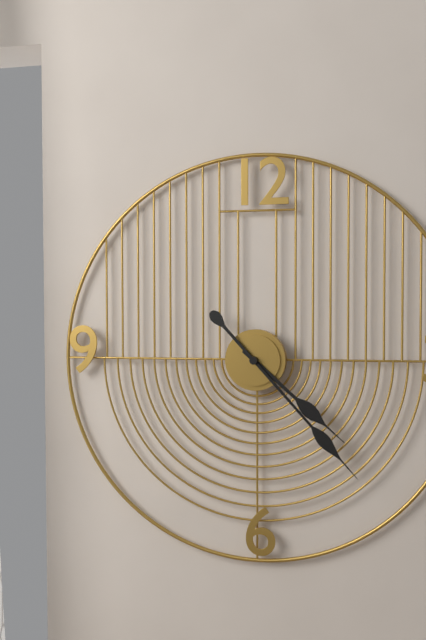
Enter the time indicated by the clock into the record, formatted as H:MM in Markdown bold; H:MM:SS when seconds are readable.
**4:23**
